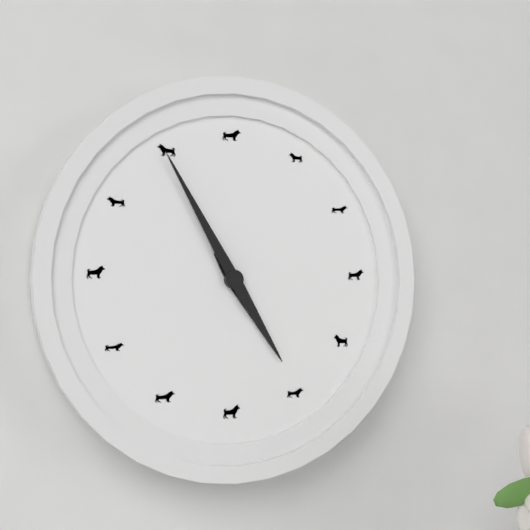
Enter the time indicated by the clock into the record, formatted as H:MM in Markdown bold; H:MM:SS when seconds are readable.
**4:55**
